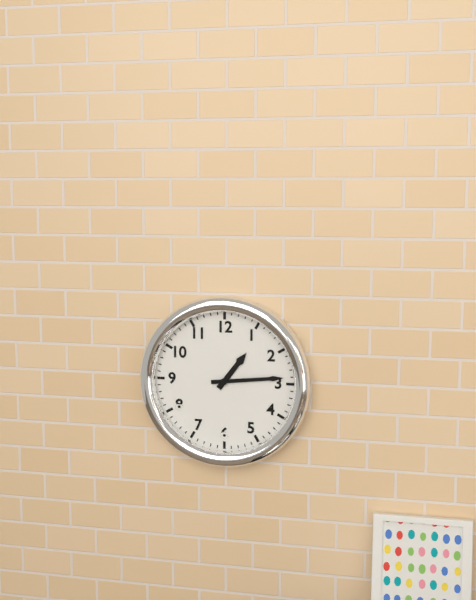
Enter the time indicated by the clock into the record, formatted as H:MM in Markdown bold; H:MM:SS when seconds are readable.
**1:14**
